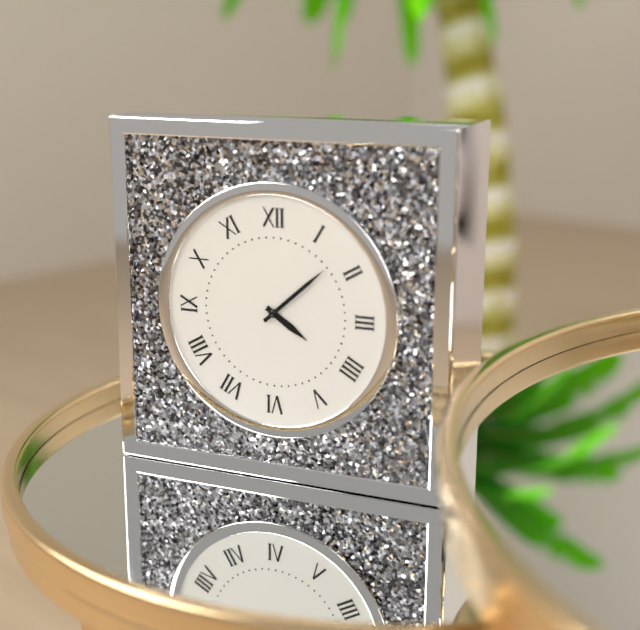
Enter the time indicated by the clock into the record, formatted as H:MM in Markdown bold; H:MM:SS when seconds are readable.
**4:08**
